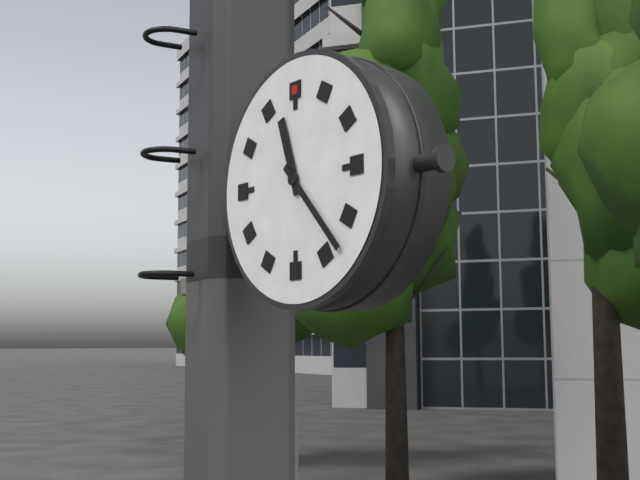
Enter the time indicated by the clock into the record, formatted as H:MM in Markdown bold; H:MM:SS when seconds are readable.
**11:23**
